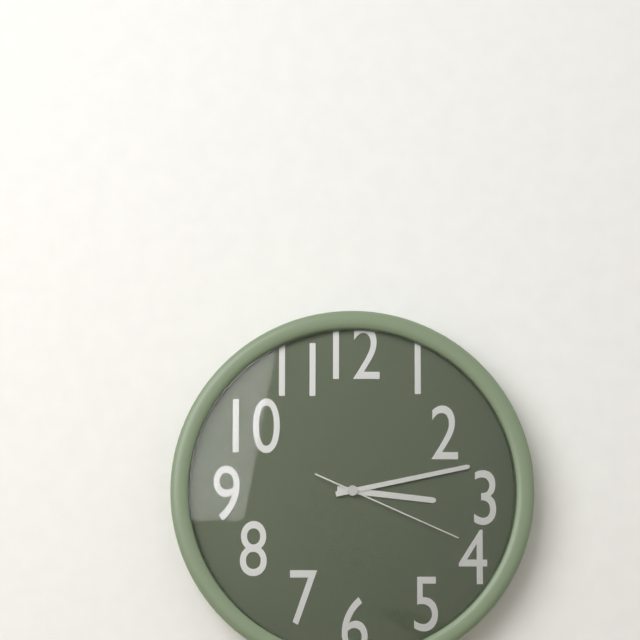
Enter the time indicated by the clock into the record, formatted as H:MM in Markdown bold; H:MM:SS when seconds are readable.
**3:13:19**
